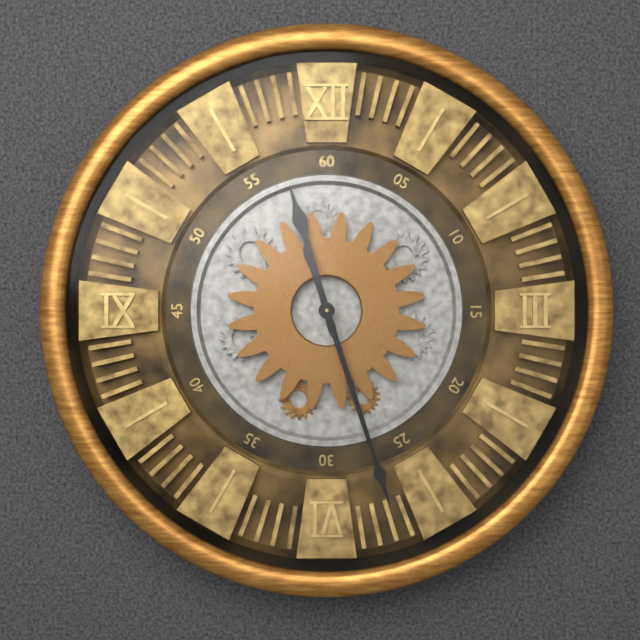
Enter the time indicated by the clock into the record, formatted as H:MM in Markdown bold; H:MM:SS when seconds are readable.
**11:27**
